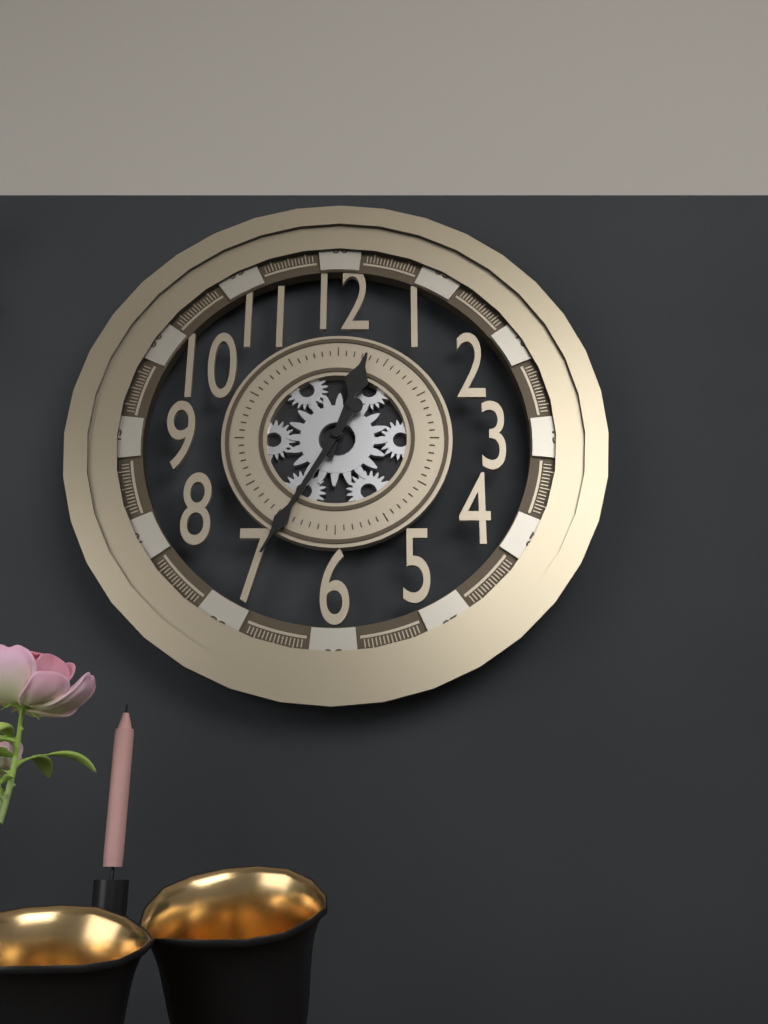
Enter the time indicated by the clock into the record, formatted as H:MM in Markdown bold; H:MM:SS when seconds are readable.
**12:35**
